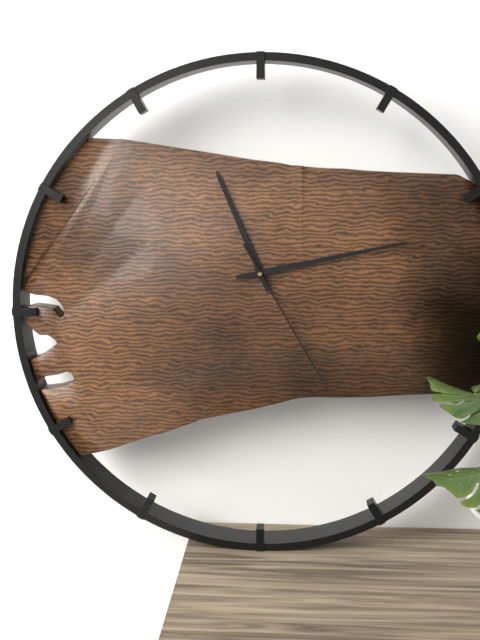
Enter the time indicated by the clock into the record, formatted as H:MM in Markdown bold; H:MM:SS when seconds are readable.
**11:13:25**
